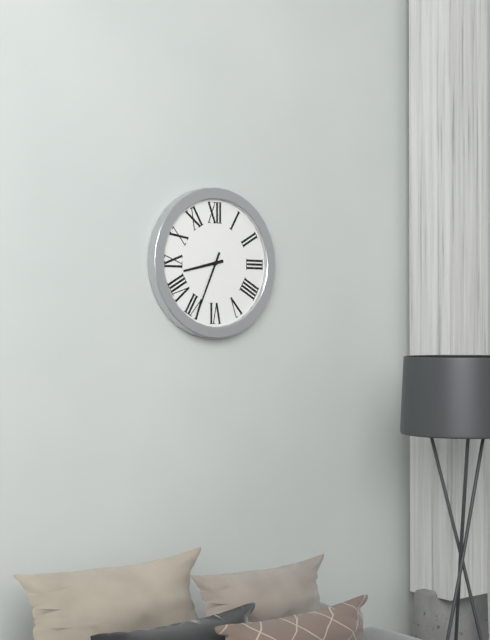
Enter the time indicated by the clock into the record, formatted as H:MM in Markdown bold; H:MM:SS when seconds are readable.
**8:34**
